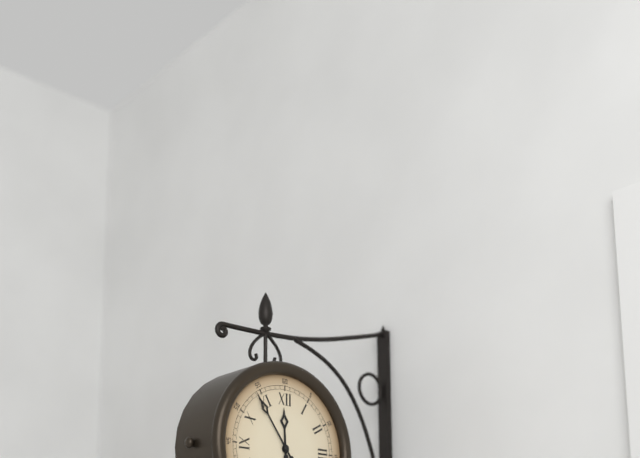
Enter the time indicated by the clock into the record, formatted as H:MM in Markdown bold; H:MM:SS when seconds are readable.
**11:54**
